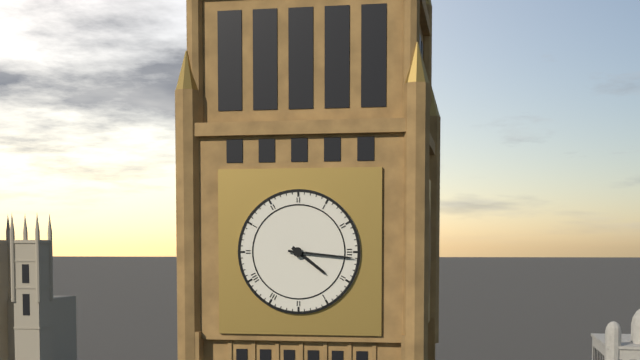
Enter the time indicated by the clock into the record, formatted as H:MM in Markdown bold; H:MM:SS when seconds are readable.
**4:16**
